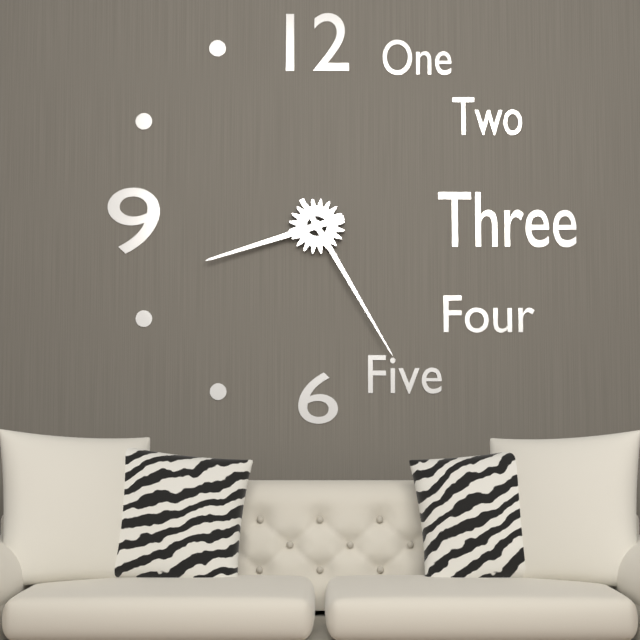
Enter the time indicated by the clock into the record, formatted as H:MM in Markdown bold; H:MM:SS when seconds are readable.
**8:25**
